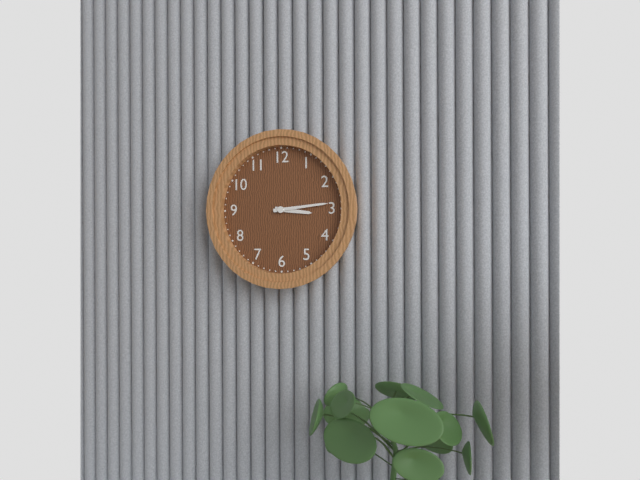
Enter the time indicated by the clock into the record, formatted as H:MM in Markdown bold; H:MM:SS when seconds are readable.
**3:14**
